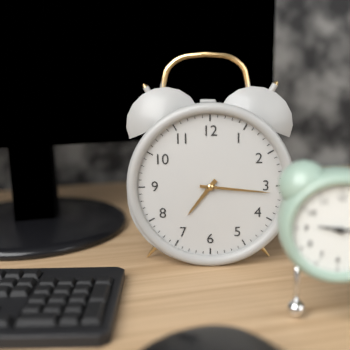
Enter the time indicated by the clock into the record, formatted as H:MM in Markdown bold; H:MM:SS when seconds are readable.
**7:16**
